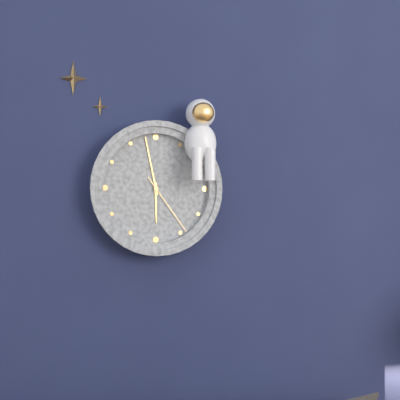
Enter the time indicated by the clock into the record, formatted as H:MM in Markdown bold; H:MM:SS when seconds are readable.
**5:58:24**
